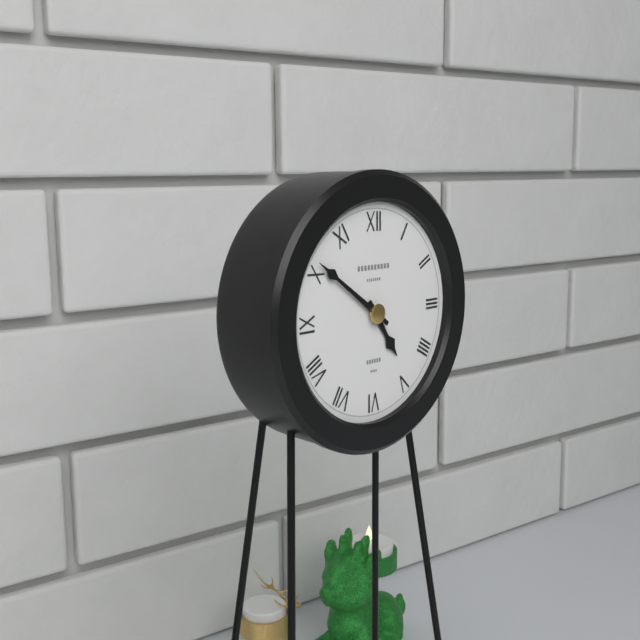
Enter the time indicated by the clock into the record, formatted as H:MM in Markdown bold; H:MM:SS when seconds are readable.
**4:51**
